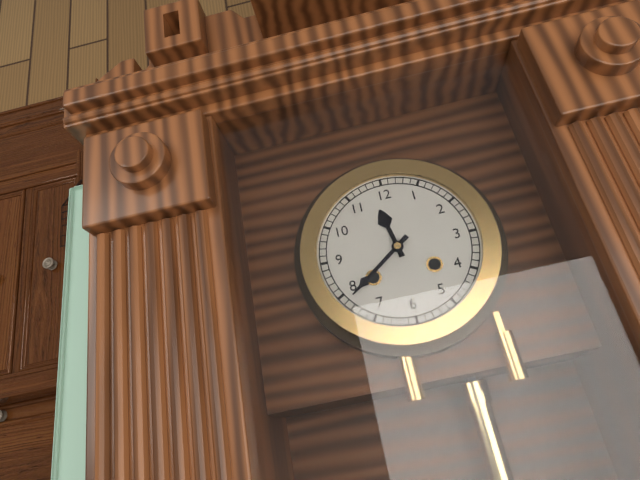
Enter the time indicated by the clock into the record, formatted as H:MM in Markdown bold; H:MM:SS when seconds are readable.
**11:39**
